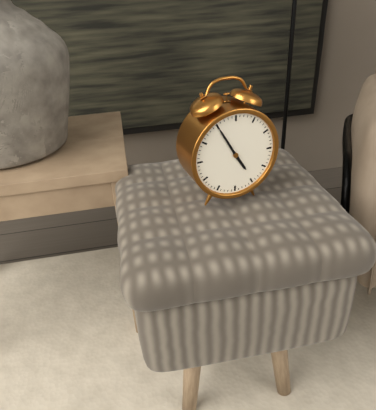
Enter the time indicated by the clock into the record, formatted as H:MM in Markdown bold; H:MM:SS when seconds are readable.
**4:55**
